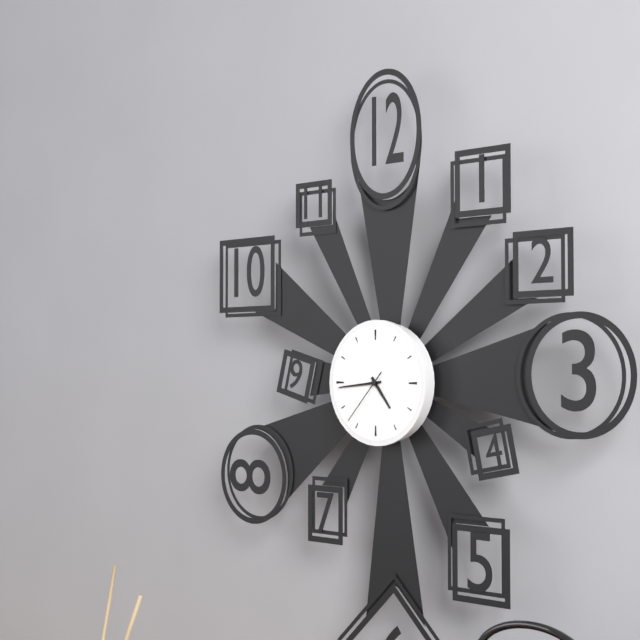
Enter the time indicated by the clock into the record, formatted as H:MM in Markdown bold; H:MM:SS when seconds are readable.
**4:44:37**
